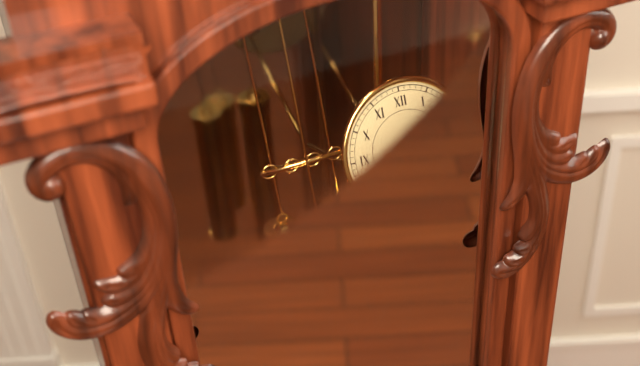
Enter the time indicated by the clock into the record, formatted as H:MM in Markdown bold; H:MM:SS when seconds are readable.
**2:27**
